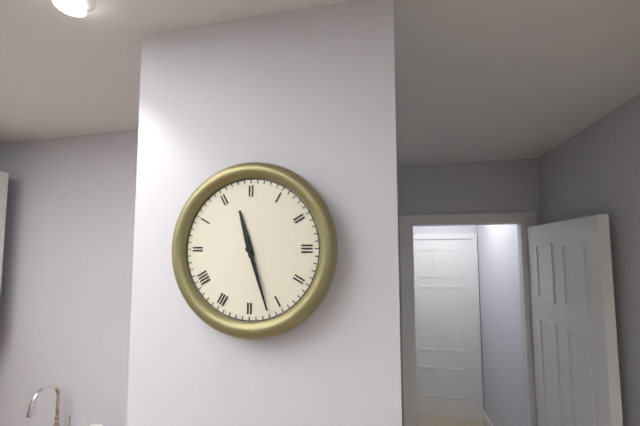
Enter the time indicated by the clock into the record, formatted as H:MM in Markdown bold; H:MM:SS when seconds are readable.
**11:27**
